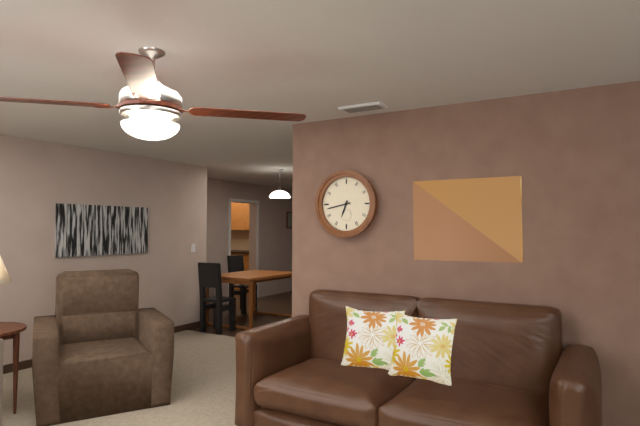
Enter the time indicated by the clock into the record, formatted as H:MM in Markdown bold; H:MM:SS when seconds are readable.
**6:43**
